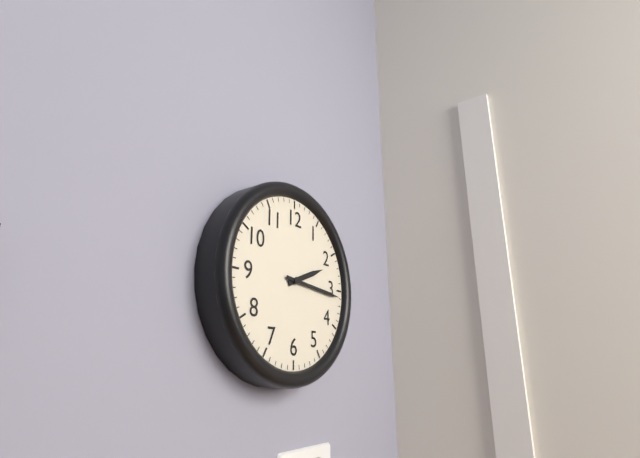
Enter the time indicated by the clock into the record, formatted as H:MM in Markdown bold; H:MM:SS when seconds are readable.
**2:16**
